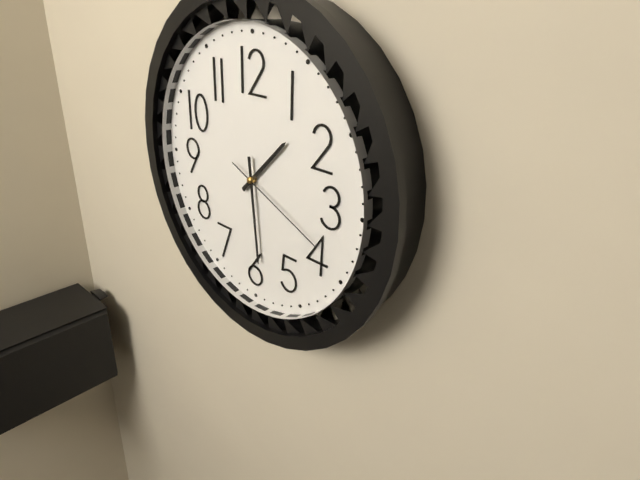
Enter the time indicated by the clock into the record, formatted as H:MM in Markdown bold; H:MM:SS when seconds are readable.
**1:29:19**
